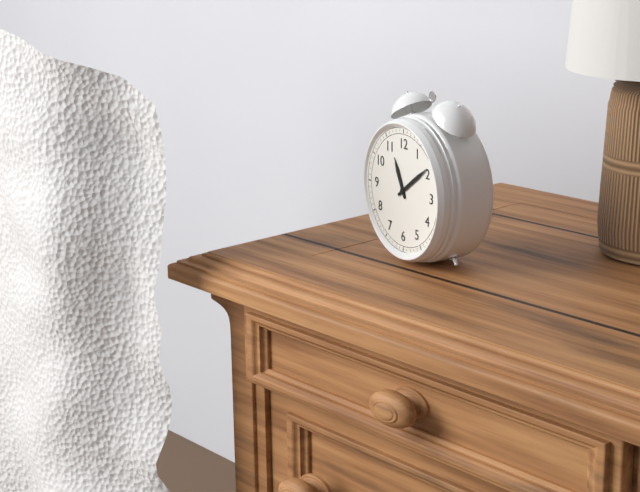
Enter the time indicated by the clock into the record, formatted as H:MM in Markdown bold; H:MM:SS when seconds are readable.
**11:09**
